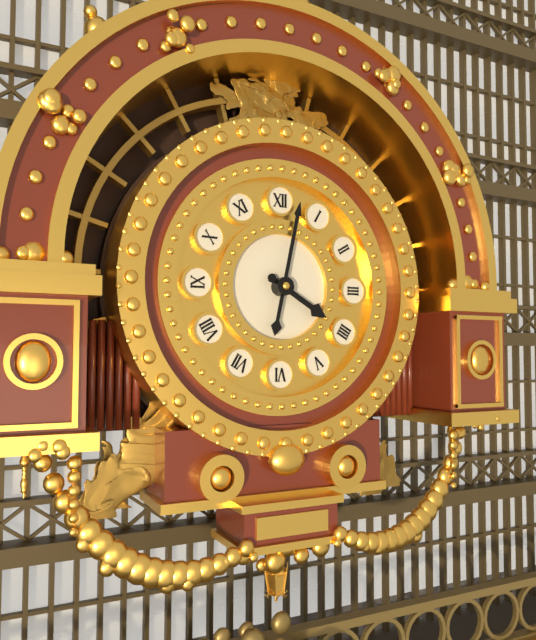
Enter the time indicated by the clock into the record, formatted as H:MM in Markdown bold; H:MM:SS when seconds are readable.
**4:02**
